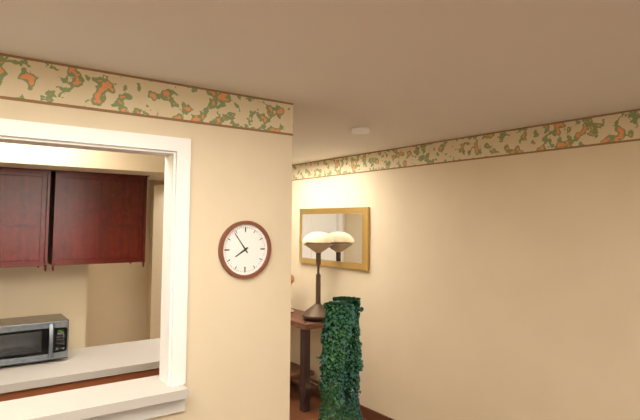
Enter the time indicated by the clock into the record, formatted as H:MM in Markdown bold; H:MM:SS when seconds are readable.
**7:54**
